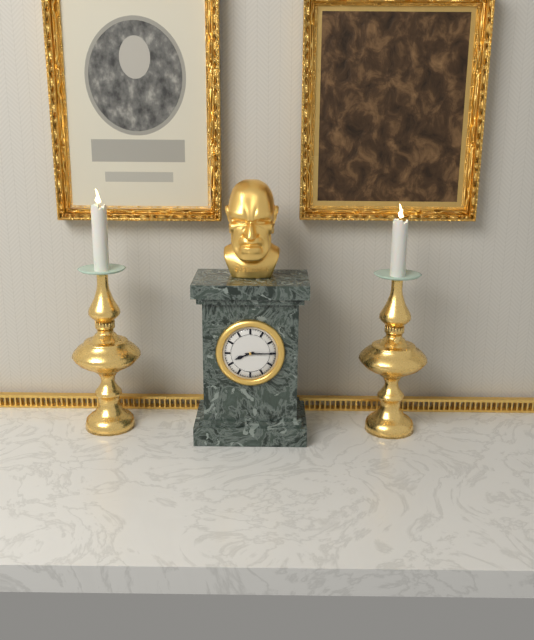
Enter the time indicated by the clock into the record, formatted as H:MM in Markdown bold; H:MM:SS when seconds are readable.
**8:15**
